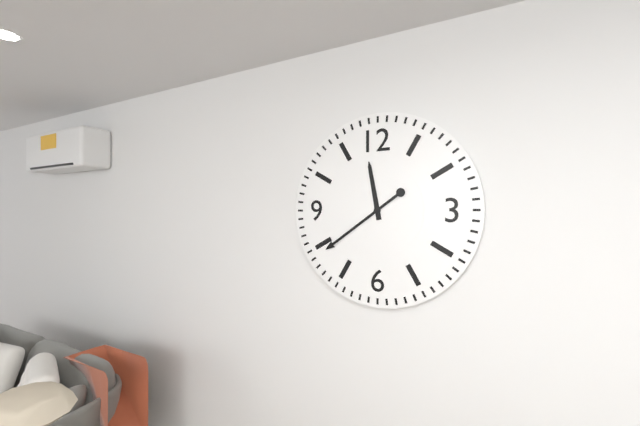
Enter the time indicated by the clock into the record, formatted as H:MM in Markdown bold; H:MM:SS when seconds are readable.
**11:39**
